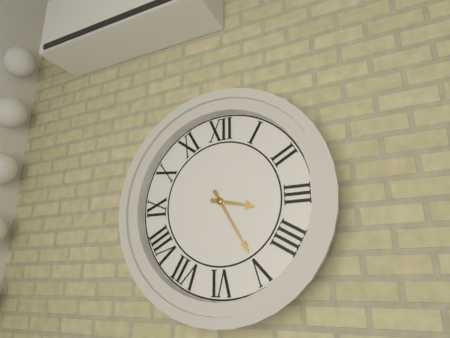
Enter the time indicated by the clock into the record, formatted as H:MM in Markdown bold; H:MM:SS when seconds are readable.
**3:25**
